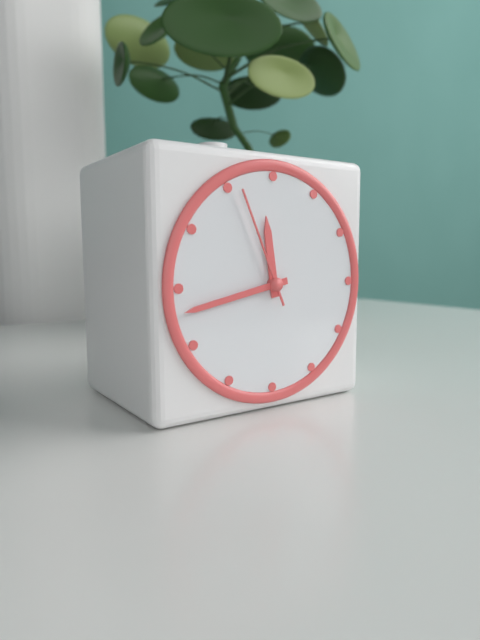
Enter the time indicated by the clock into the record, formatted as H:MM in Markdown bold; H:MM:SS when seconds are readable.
**11:43:56**
